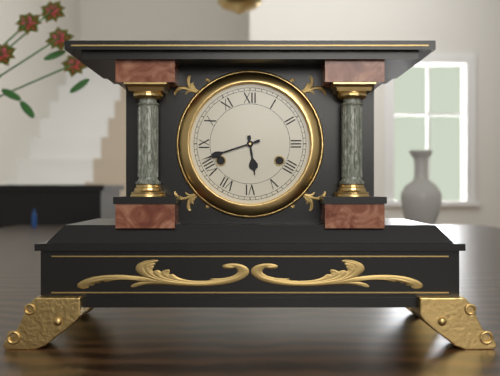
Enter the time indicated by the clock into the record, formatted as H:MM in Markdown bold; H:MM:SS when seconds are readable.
**5:42**
